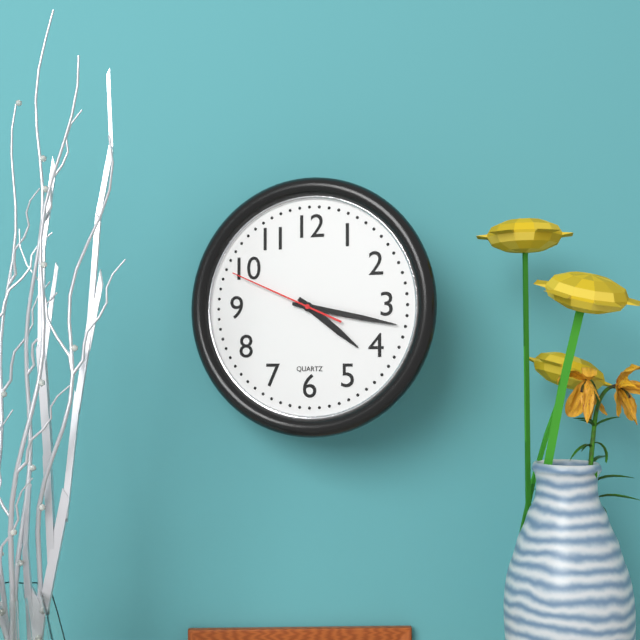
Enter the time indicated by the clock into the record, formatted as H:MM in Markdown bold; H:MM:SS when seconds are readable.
**4:17:49**
